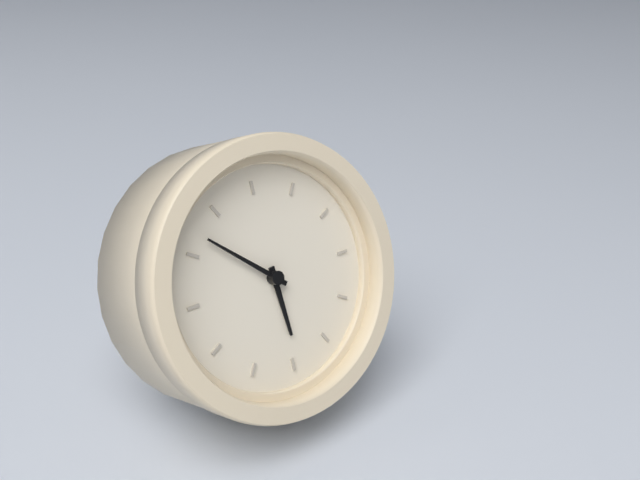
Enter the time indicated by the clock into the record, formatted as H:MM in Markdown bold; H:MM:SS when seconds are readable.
**5:52**
